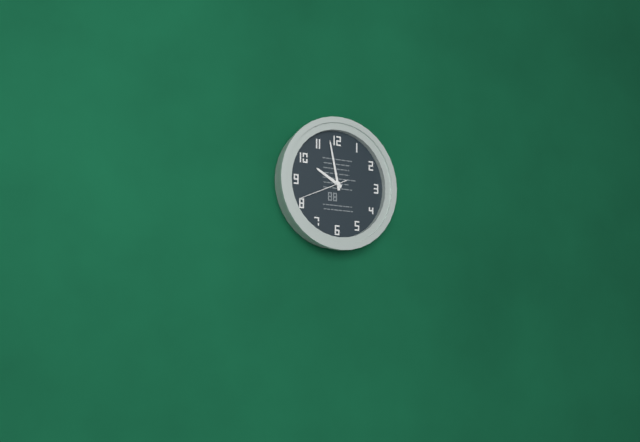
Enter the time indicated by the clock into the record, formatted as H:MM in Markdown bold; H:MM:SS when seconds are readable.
**9:58:41**
